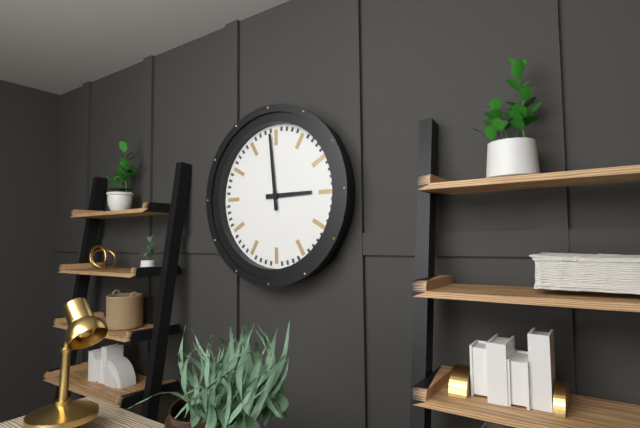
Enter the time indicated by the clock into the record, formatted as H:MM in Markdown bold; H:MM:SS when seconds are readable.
**2:59**
